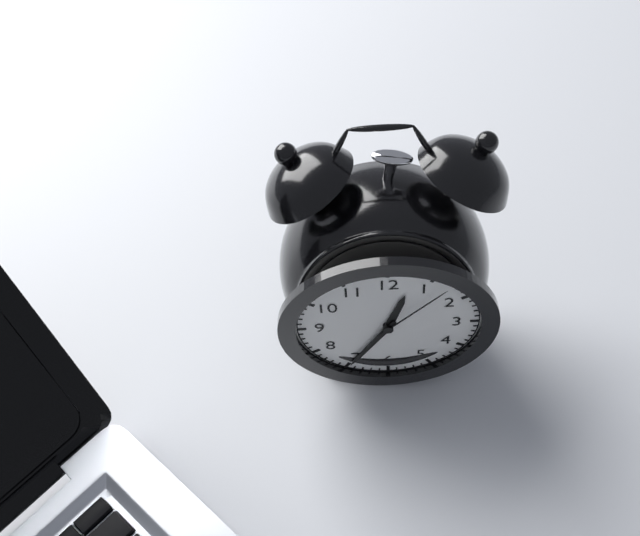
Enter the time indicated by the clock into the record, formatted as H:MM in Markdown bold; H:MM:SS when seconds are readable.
**12:35:07**
